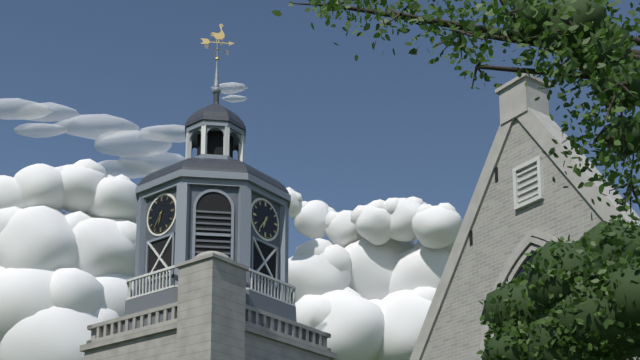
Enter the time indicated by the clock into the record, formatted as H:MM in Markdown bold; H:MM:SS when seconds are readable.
**6:36**
